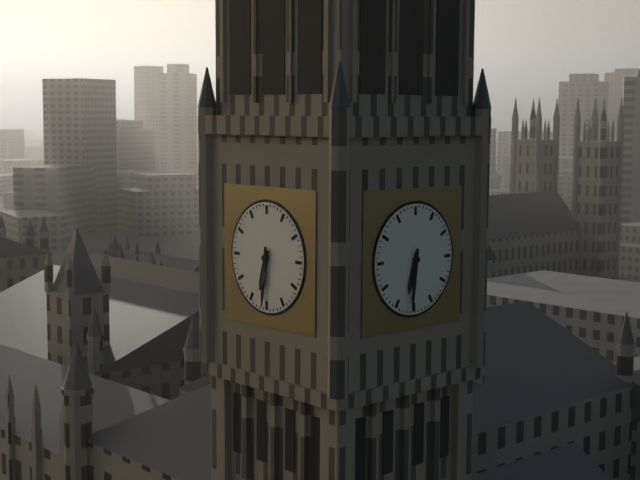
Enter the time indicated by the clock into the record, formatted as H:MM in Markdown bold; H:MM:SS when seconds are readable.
**6:31**
